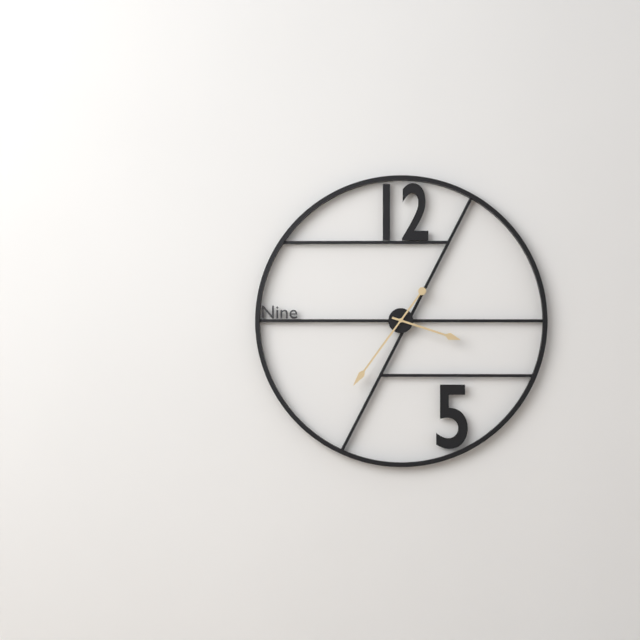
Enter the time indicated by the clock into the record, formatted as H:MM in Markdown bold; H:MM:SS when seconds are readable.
**3:36**
